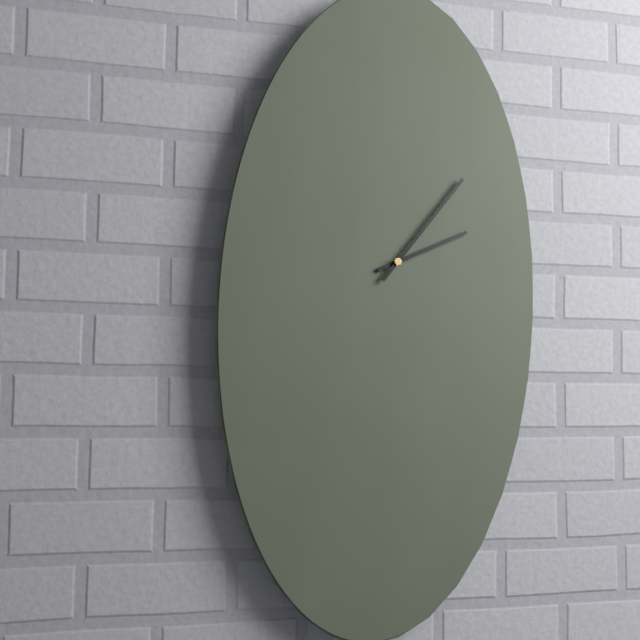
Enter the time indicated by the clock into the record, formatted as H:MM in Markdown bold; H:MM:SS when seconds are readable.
**2:06**
